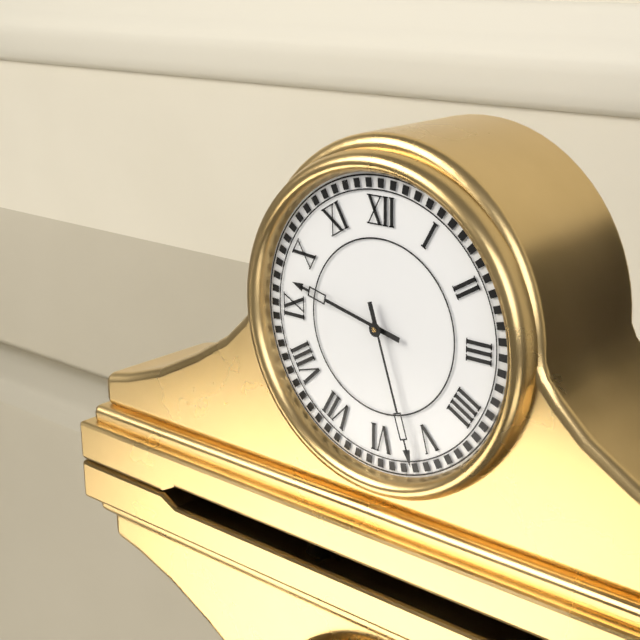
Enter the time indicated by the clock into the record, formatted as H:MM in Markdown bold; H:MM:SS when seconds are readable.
**9:27**
